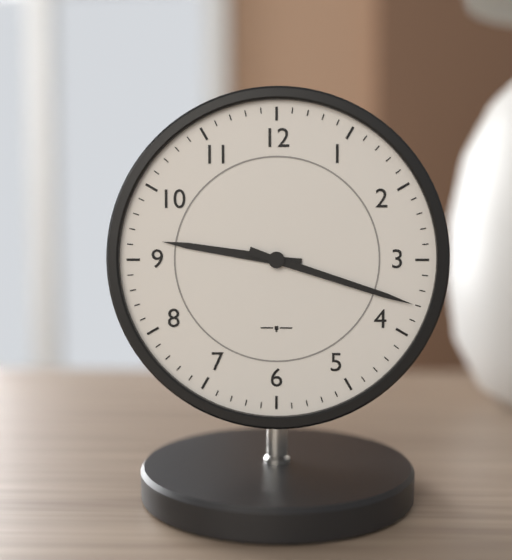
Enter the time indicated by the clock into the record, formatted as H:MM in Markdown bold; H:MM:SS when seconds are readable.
**9:18**
